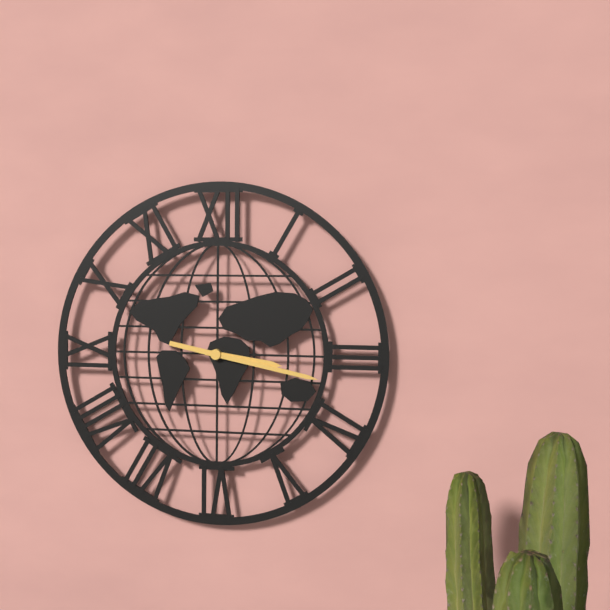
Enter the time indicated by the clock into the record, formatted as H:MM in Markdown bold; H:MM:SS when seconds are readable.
**3:17**
